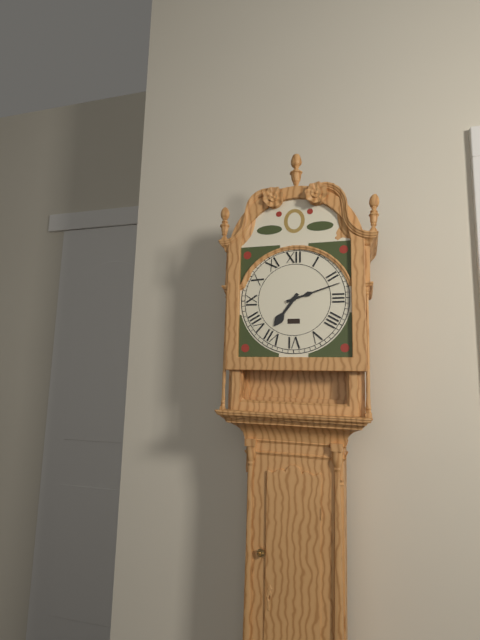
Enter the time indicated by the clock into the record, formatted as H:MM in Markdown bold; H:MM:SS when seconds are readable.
**7:12**
